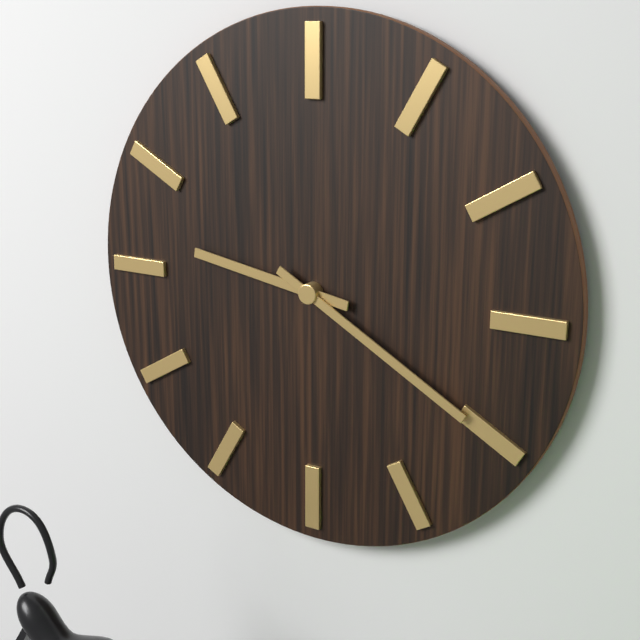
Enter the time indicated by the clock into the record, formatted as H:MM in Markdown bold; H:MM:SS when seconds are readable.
**9:20**
